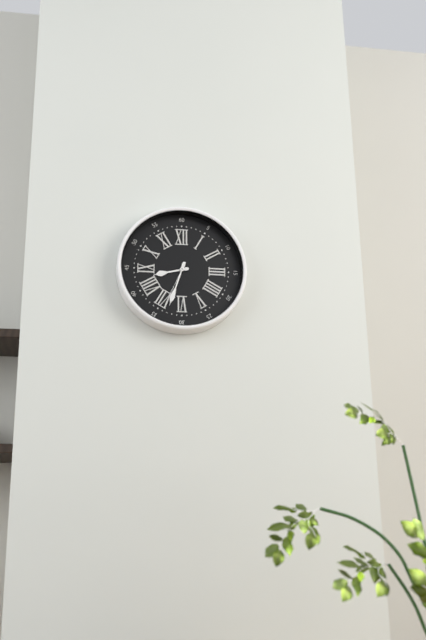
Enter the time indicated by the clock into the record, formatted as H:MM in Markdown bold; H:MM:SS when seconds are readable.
**8:33**
